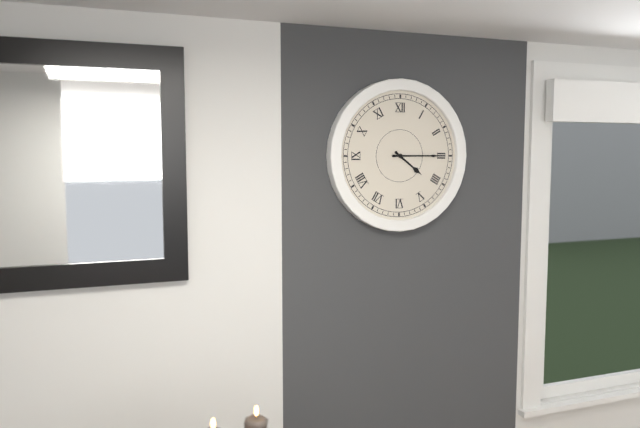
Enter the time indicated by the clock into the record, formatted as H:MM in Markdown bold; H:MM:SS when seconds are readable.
**4:15**
